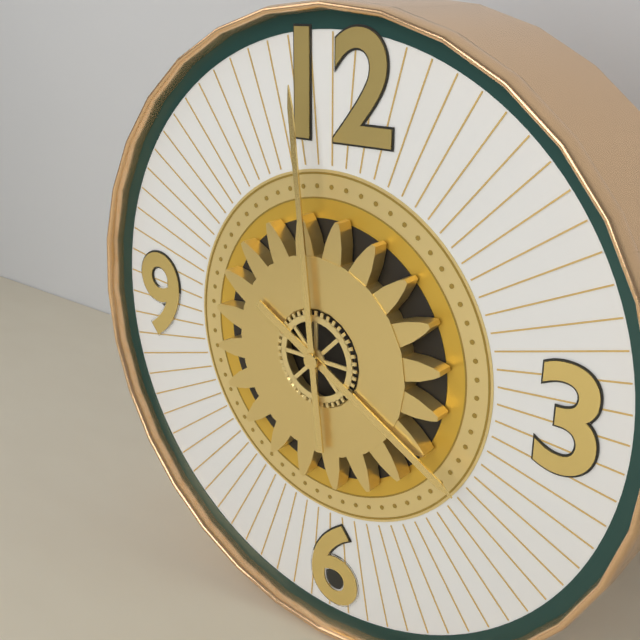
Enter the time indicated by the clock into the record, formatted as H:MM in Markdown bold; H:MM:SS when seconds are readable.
**3:59**
